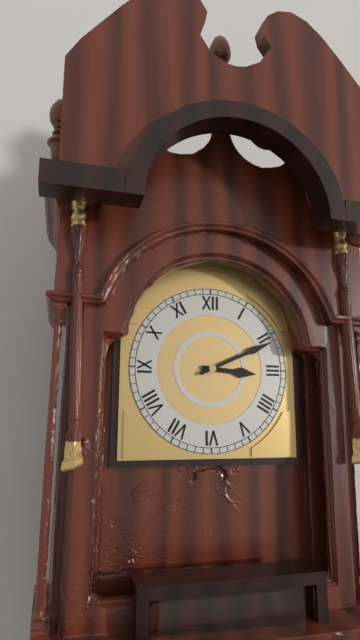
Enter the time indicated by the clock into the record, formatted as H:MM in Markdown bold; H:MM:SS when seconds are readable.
**3:11**
